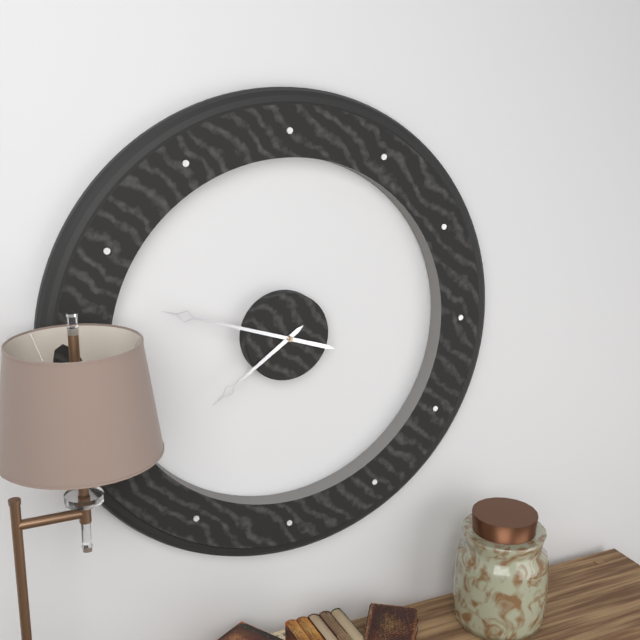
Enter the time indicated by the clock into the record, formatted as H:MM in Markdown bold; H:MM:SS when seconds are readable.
**7:48**
